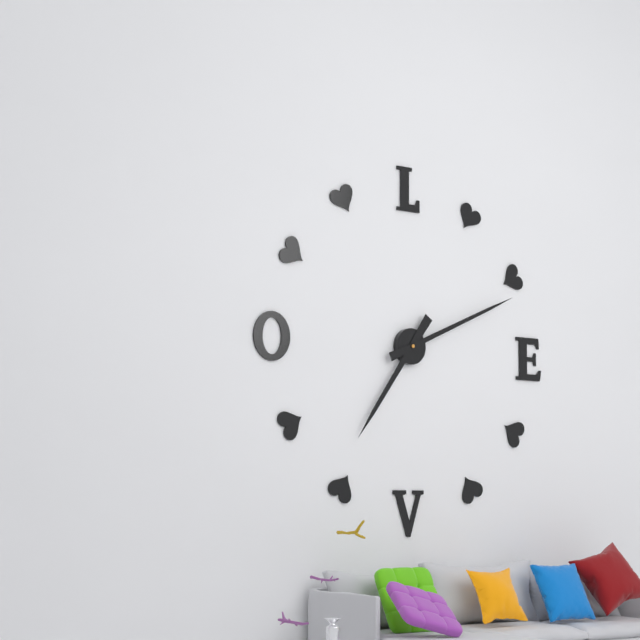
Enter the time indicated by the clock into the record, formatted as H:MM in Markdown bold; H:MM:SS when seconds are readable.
**7:11**
